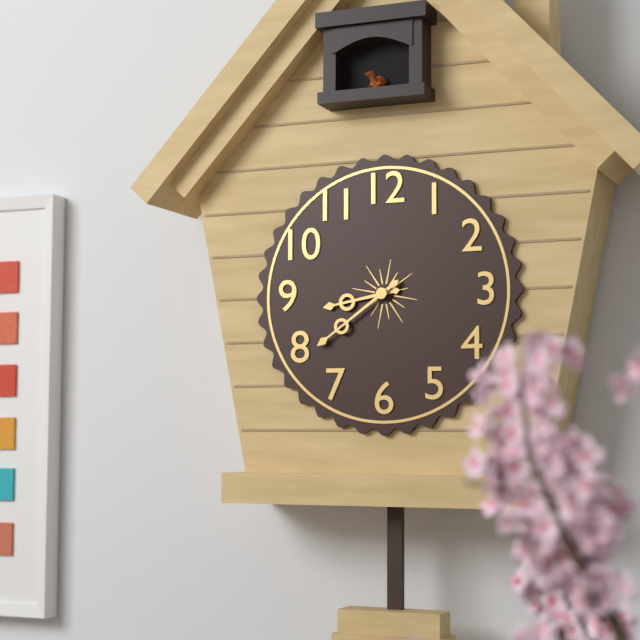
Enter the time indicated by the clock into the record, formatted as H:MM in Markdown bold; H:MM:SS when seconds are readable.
**8:39**
